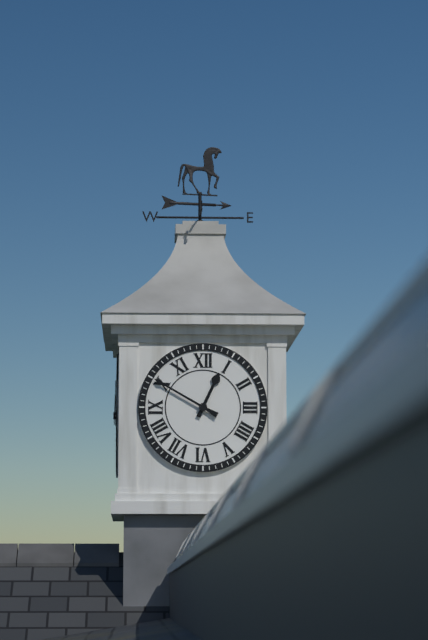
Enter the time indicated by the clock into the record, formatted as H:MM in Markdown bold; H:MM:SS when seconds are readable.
**12:50**
